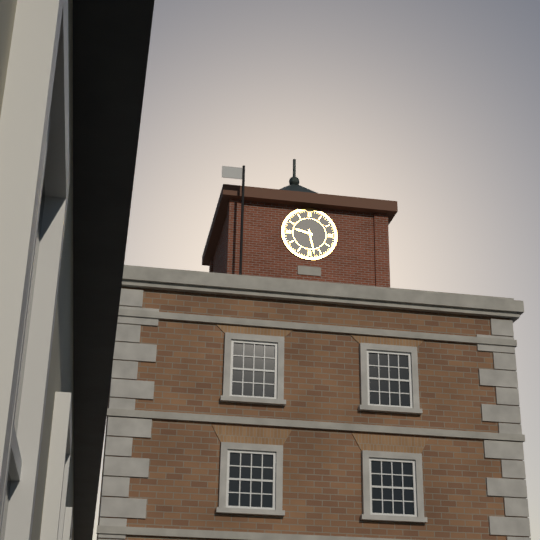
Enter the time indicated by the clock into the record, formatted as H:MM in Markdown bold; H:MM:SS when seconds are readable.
**9:28**
